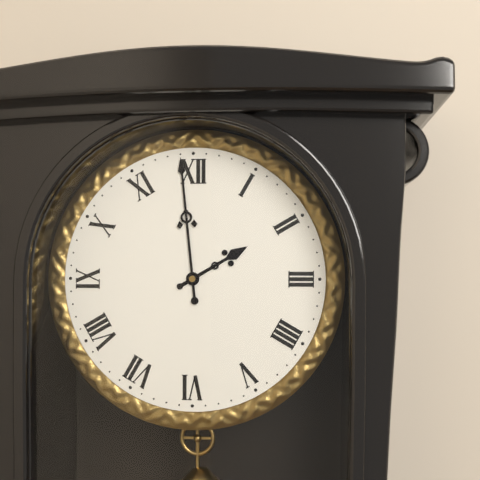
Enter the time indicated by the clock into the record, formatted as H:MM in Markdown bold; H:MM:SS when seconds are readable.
**1:59**
